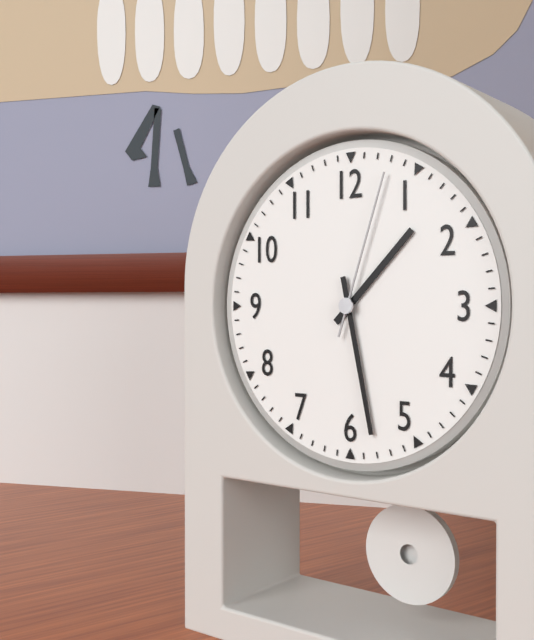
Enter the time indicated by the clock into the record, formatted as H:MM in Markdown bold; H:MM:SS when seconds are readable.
**1:28:03**
